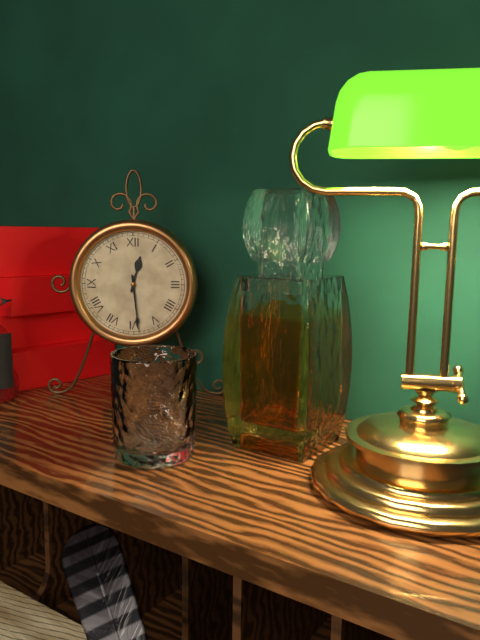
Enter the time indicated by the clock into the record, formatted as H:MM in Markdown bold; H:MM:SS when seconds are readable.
**12:29**
